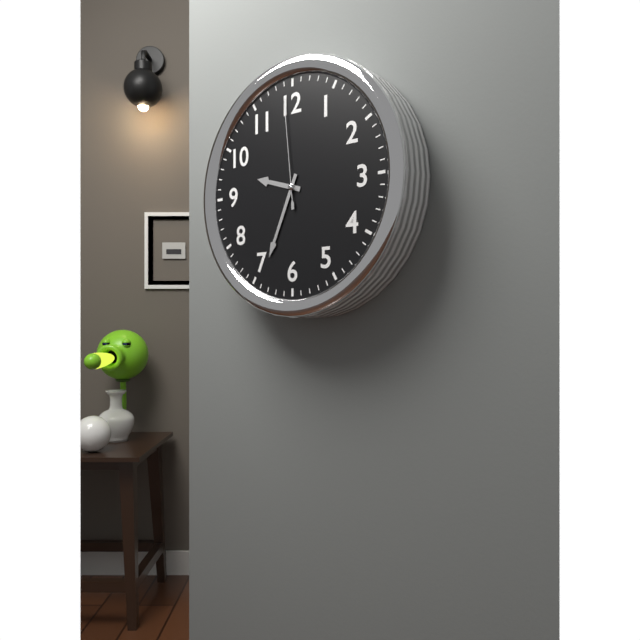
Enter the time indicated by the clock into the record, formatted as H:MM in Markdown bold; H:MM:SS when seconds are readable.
**9:34:59**
